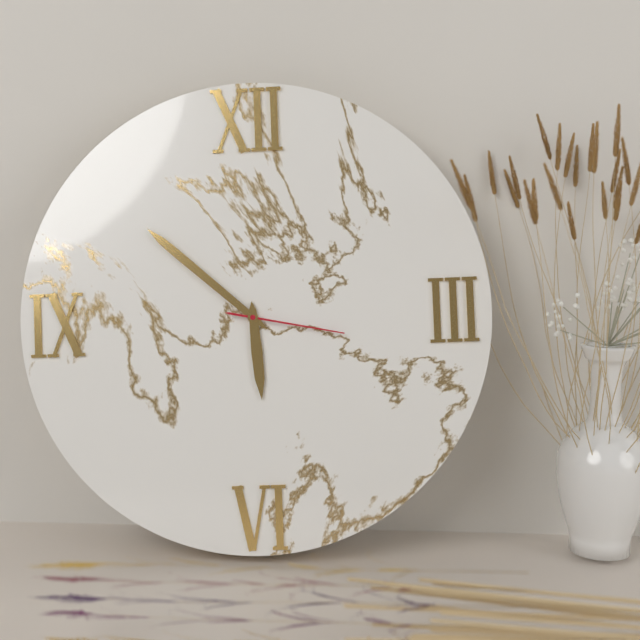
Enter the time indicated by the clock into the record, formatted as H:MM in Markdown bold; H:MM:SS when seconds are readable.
**5:52:17**
